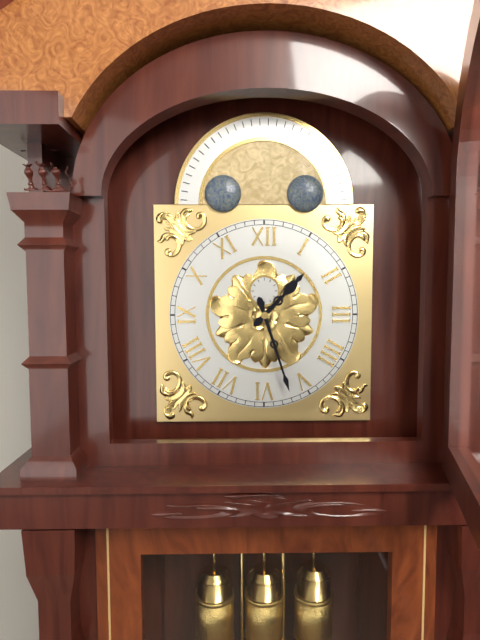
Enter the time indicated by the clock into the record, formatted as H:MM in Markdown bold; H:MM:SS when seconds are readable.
**1:27**
